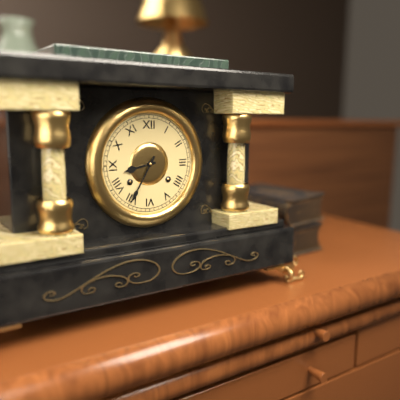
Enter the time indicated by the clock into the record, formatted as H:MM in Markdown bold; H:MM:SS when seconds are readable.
**8:35**
